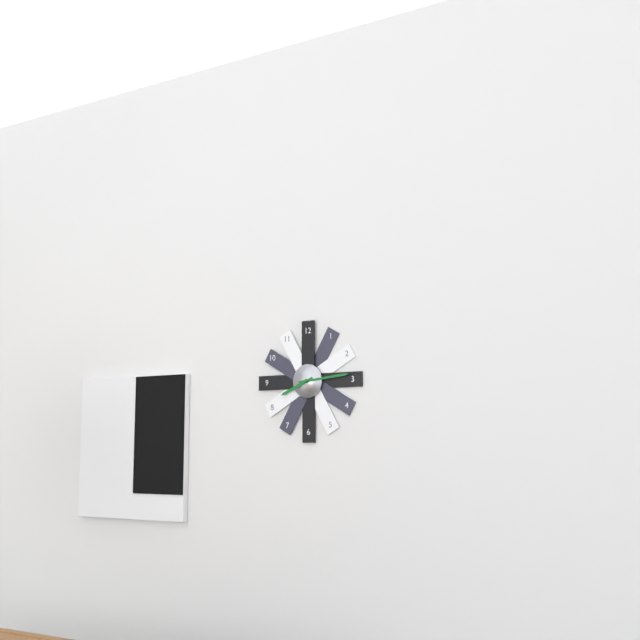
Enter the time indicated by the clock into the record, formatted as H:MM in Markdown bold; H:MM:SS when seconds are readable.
**8:14**
